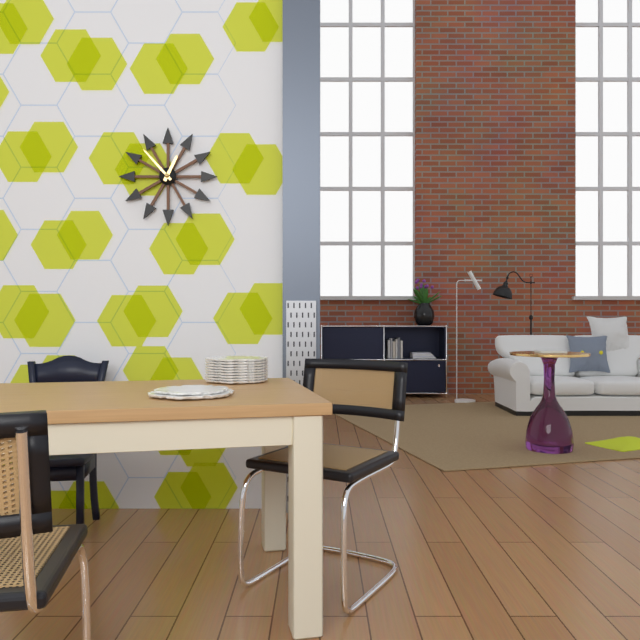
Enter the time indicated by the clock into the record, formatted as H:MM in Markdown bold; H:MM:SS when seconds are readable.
**12:53**
